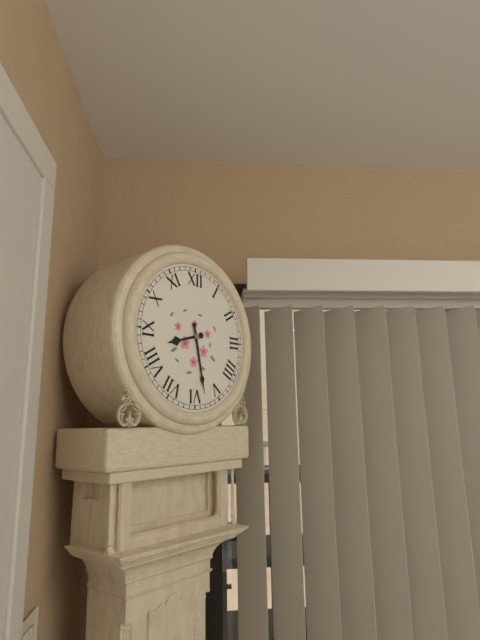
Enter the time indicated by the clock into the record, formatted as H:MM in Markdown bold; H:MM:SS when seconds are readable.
**8:28**
